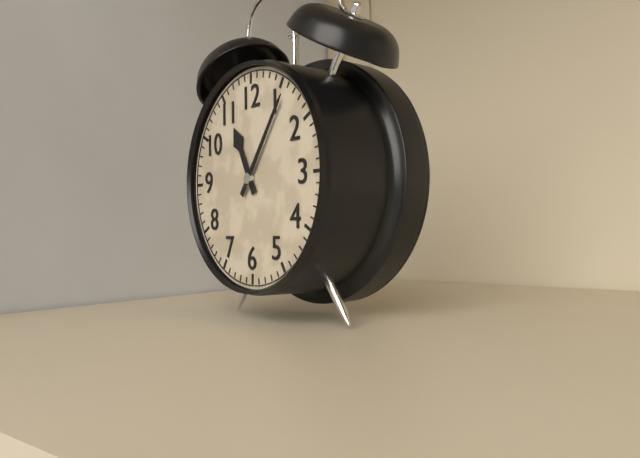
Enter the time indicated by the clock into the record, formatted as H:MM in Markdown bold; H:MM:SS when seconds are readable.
**11:06**
